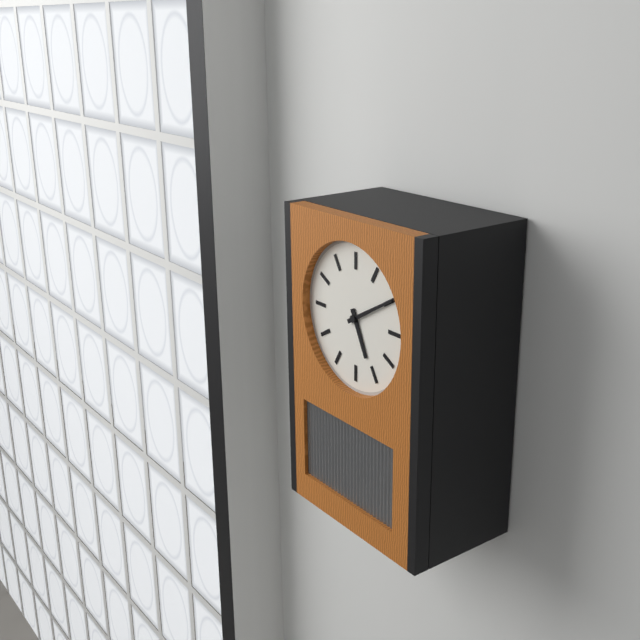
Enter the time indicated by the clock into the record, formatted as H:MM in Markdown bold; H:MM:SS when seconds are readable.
**5:10**
